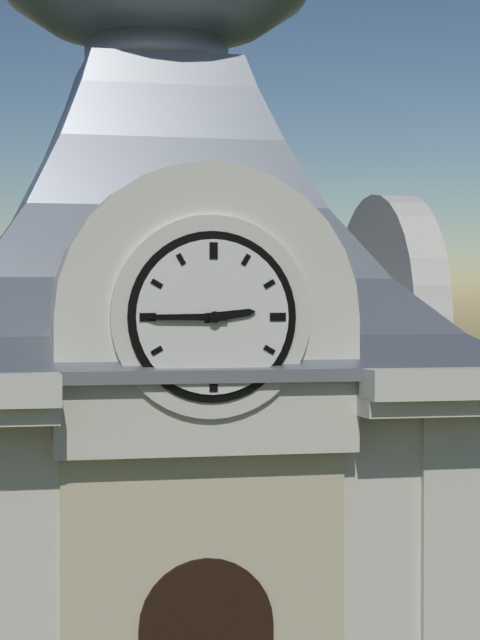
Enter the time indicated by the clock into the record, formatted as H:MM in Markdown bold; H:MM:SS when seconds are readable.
**2:45**
